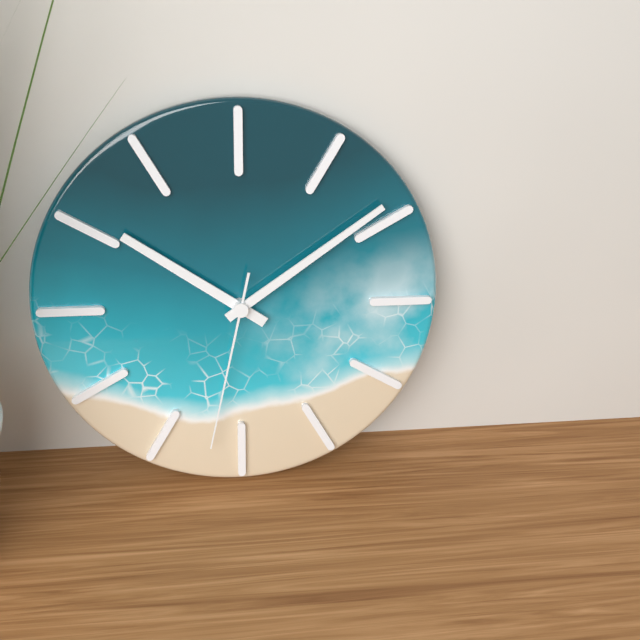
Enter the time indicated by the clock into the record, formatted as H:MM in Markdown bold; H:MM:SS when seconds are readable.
**10:09:32**
